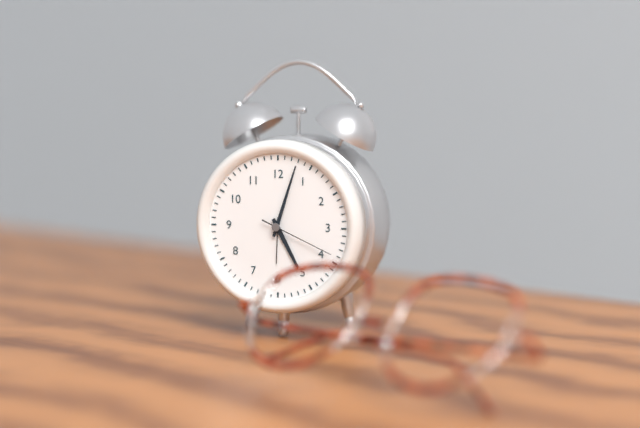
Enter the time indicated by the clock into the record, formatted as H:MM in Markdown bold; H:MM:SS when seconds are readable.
**5:03:19**
